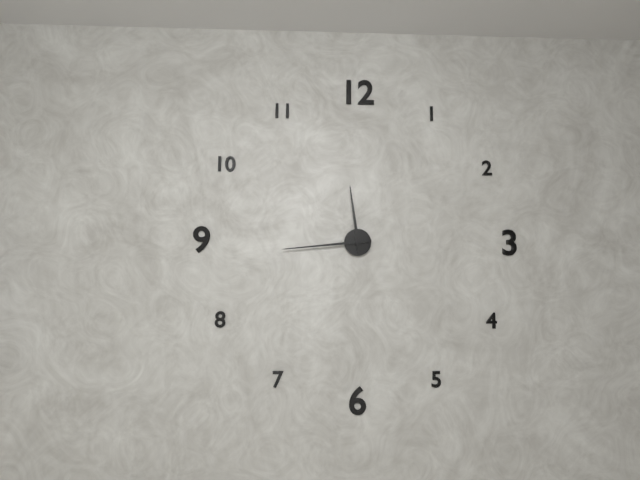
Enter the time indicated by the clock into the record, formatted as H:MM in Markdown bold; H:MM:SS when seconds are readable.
**11:44**
